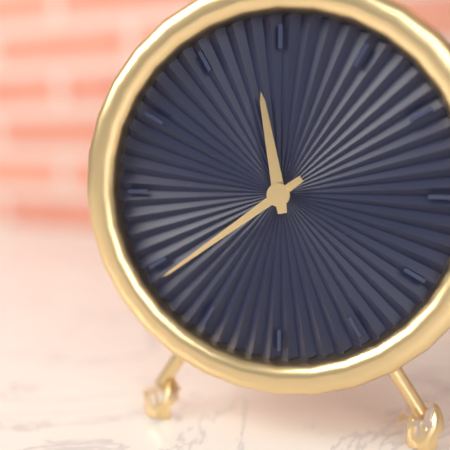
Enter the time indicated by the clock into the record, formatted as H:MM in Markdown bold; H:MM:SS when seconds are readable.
**11:39**
